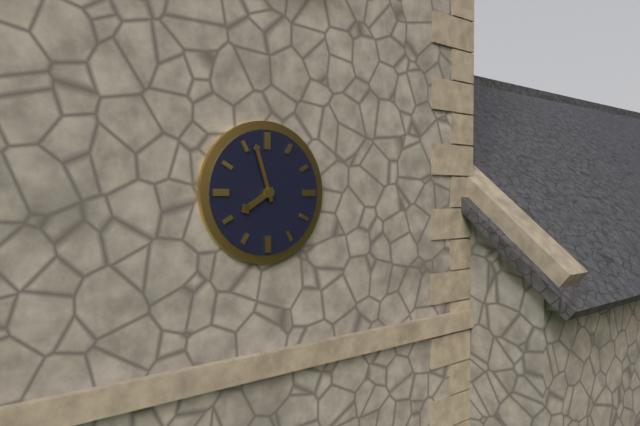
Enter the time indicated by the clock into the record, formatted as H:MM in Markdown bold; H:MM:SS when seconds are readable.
**7:57**
